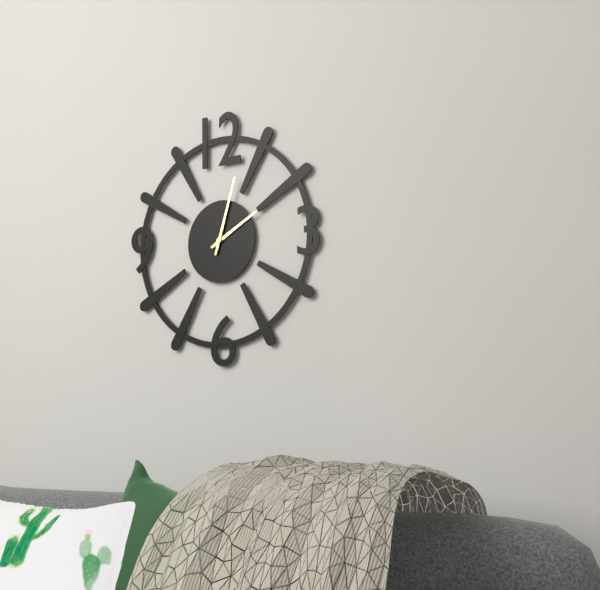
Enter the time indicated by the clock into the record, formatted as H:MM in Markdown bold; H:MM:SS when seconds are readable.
**2:03**
